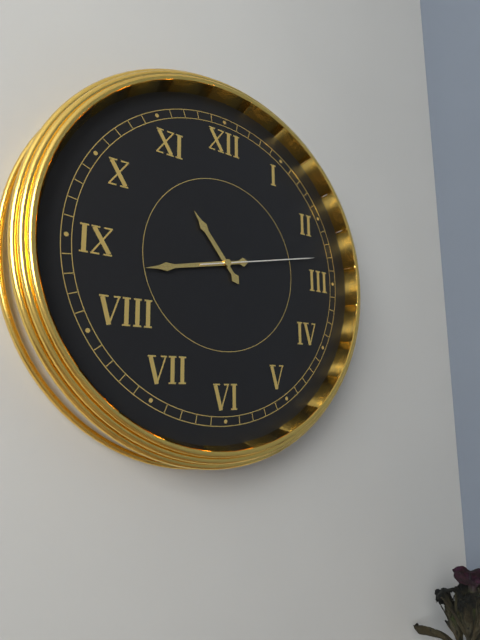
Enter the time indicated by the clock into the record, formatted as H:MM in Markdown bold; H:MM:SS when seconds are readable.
**10:43:13**
